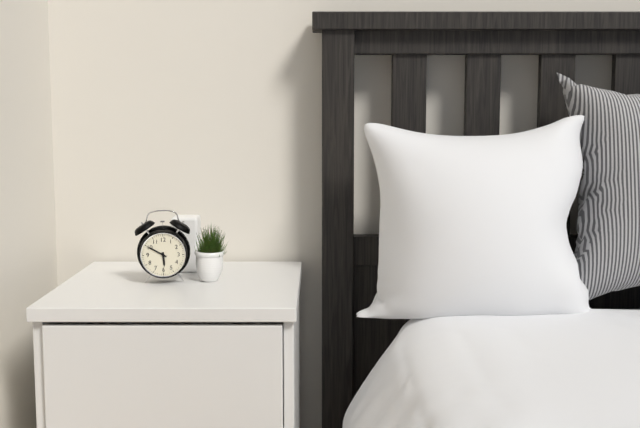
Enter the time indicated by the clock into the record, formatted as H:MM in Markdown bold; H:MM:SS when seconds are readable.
**5:50**
